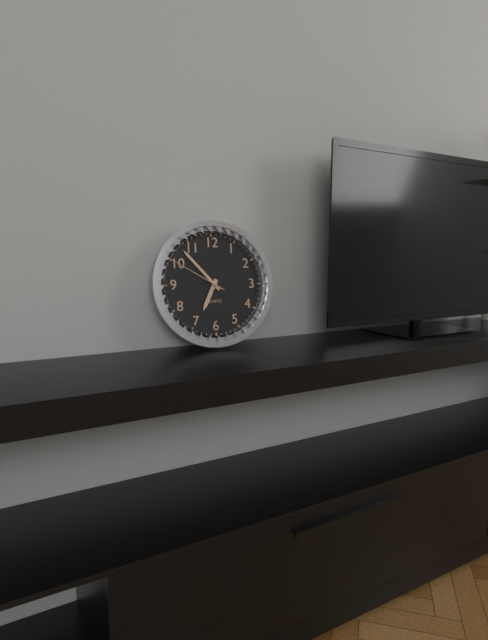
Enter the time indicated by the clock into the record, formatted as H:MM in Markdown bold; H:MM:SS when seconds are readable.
**6:53:50**
